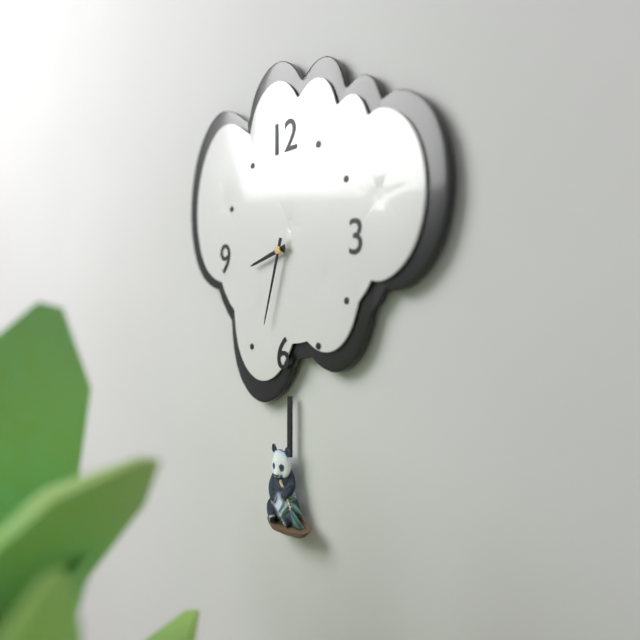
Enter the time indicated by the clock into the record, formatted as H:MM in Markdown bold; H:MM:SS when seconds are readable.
**8:33**
